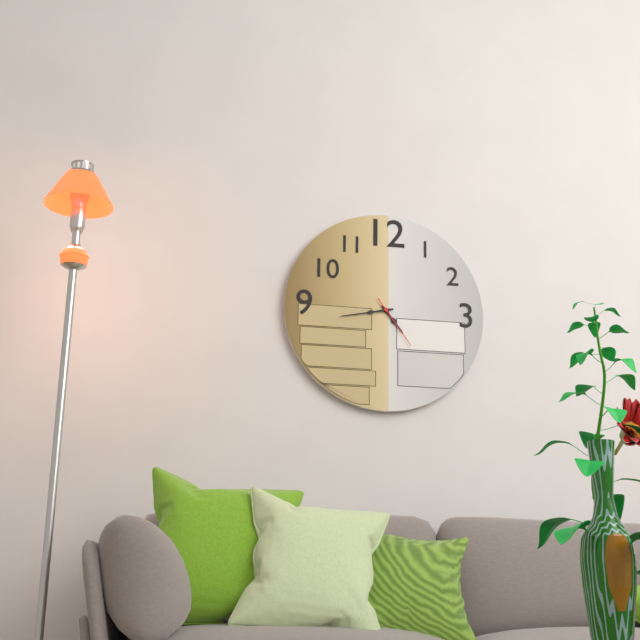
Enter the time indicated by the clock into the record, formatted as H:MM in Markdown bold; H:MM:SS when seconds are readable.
**4:43:24**
